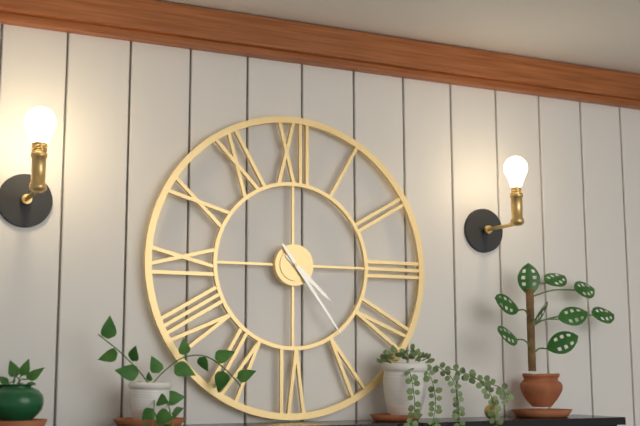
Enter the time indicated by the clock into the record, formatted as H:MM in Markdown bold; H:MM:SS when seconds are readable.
**4:24**
